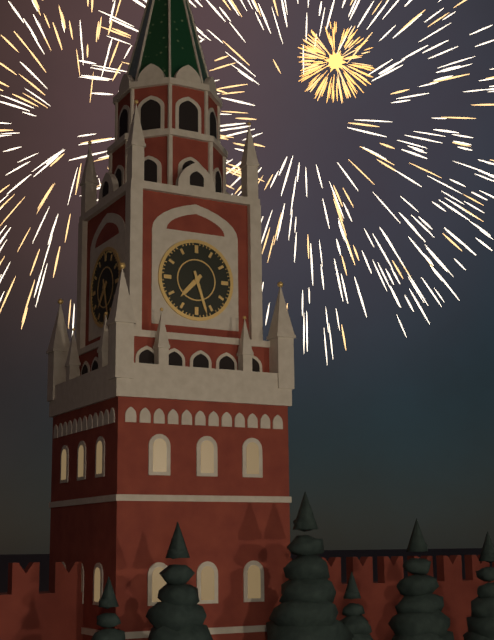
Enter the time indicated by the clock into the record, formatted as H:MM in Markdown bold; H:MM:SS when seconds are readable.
**7:27**
